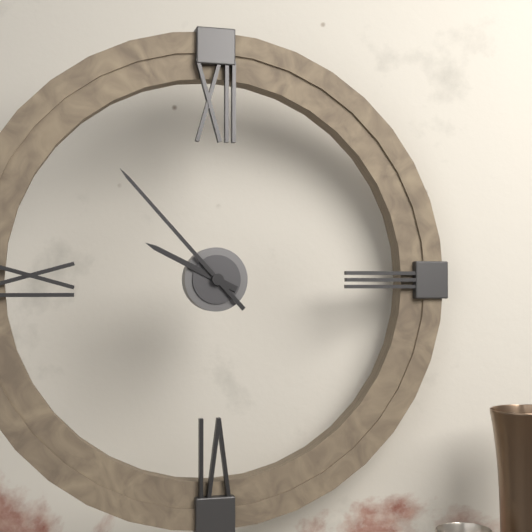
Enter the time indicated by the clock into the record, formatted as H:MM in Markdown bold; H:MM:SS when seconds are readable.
**9:53**
